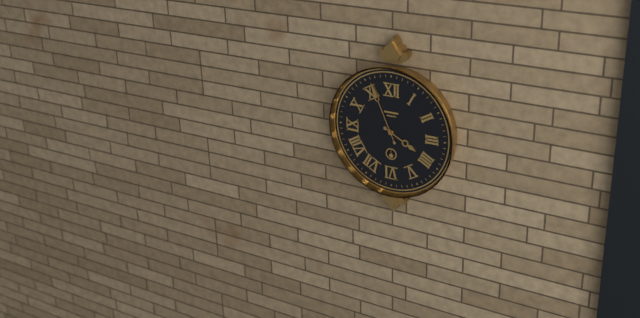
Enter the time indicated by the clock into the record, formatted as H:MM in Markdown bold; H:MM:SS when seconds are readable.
**3:56**
